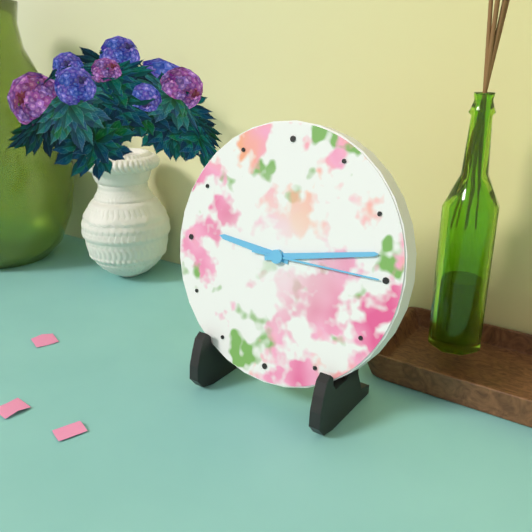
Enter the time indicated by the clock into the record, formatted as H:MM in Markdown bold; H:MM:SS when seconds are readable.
**9:13:15**
